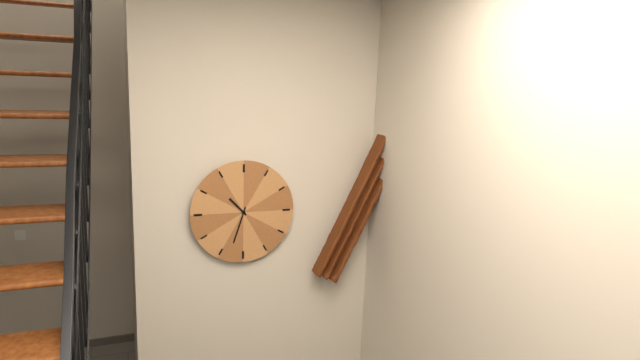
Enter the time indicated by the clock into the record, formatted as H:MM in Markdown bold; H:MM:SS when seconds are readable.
**10:33**
